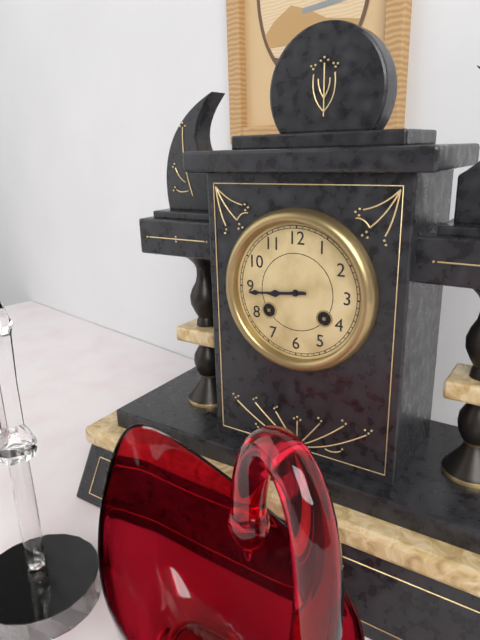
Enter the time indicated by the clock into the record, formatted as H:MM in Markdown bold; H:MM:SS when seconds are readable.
**8:44**
